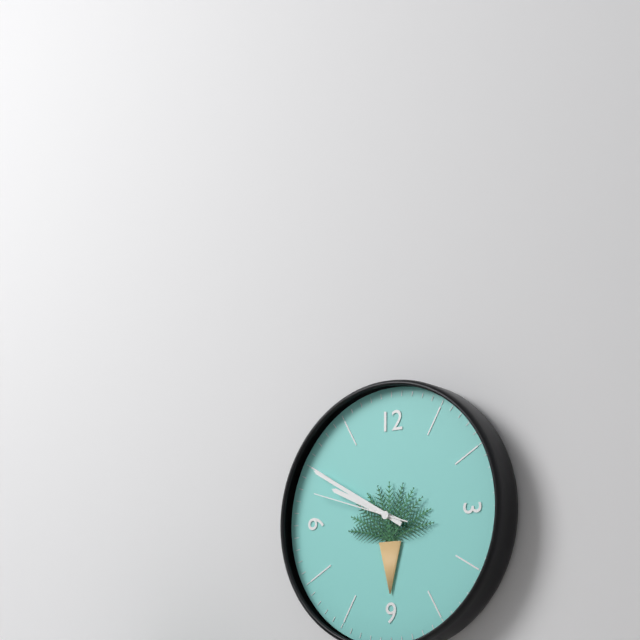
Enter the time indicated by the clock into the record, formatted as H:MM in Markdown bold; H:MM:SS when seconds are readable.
**9:50:48**
